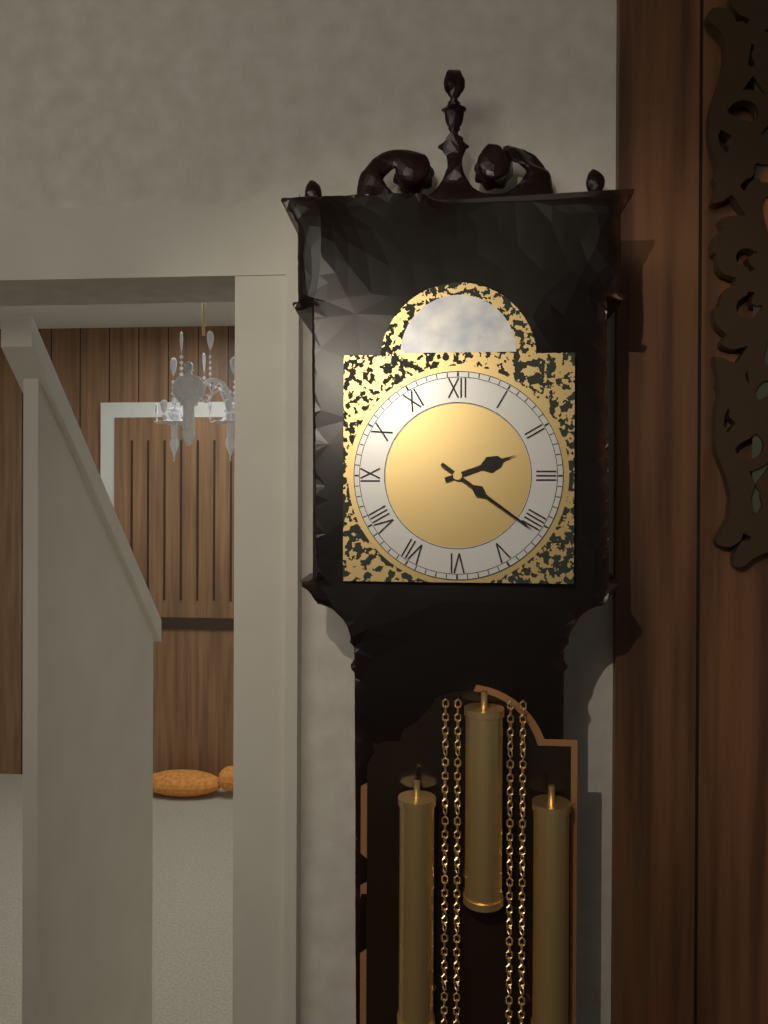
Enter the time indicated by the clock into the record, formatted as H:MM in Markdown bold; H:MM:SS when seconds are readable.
**2:21**
